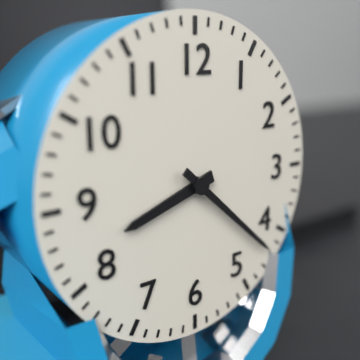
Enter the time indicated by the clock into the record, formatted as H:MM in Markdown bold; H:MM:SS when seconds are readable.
**8:22**
